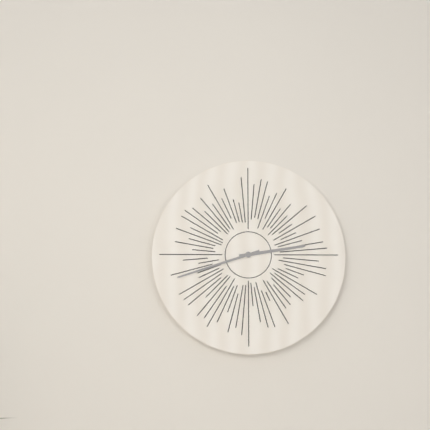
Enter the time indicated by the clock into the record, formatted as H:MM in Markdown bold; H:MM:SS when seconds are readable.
**2:42**
